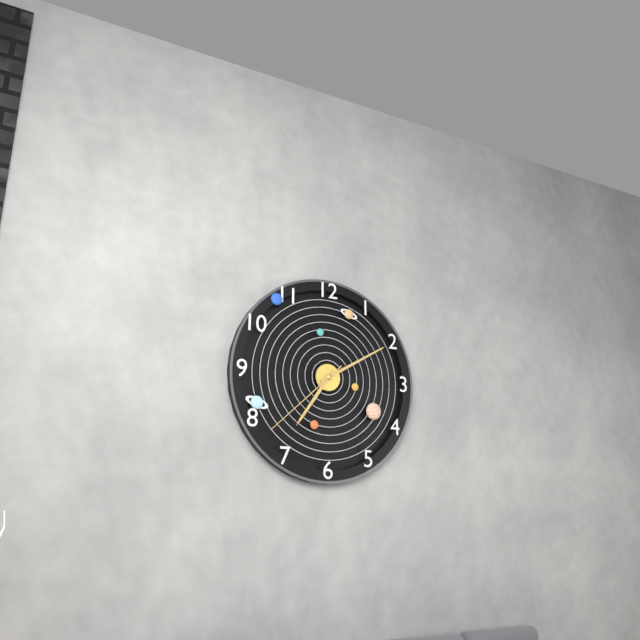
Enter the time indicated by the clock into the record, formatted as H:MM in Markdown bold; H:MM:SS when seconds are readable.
**7:10:38**
